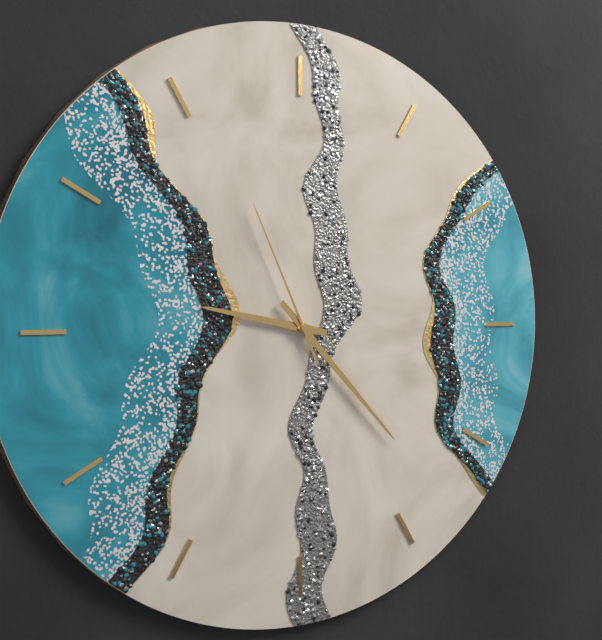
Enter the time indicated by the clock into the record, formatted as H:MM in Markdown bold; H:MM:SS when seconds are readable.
**9:23:56**
